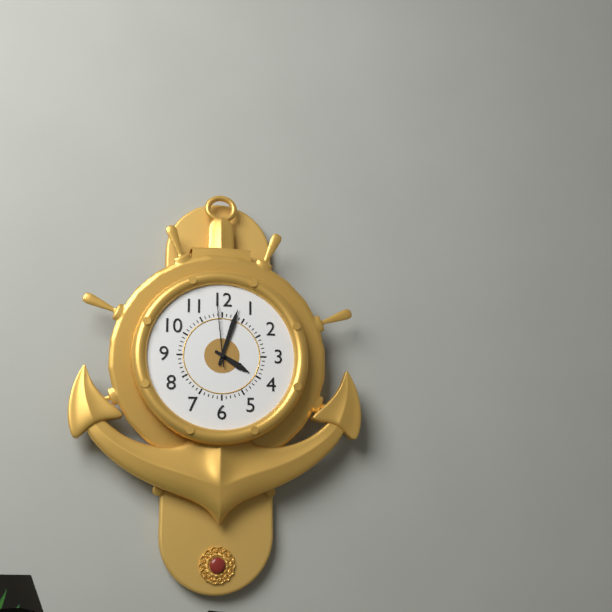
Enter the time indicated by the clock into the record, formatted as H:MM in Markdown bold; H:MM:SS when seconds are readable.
**4:03:59**
